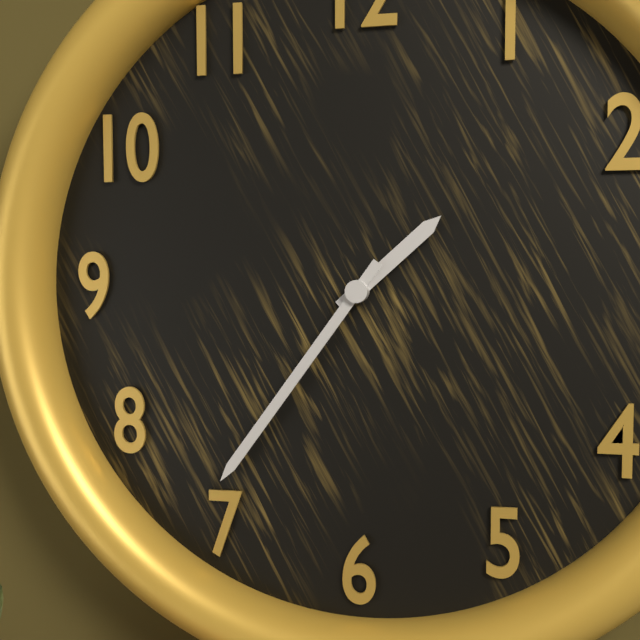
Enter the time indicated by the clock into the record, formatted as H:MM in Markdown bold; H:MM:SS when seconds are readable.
**1:36**
